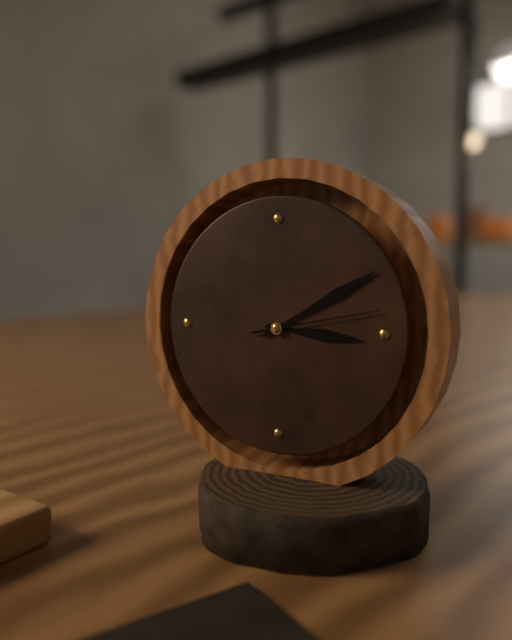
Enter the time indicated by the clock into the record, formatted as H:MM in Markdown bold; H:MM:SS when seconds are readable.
**3:10:13**
